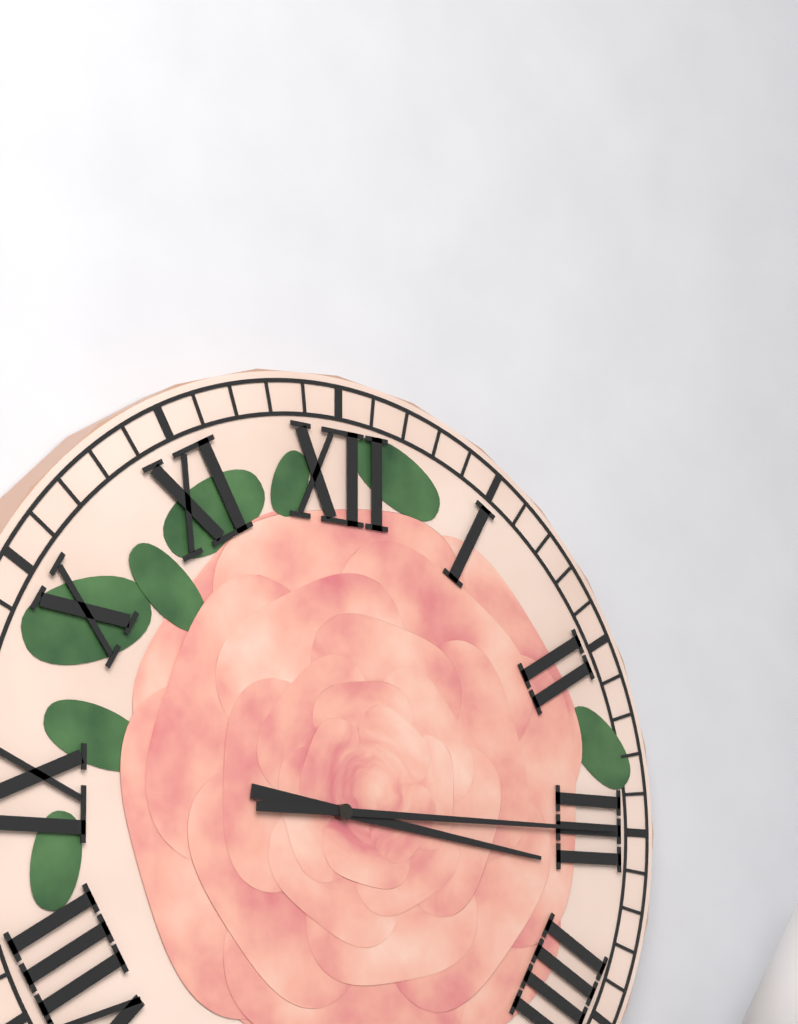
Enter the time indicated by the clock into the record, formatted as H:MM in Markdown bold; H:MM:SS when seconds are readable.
**3:15**
